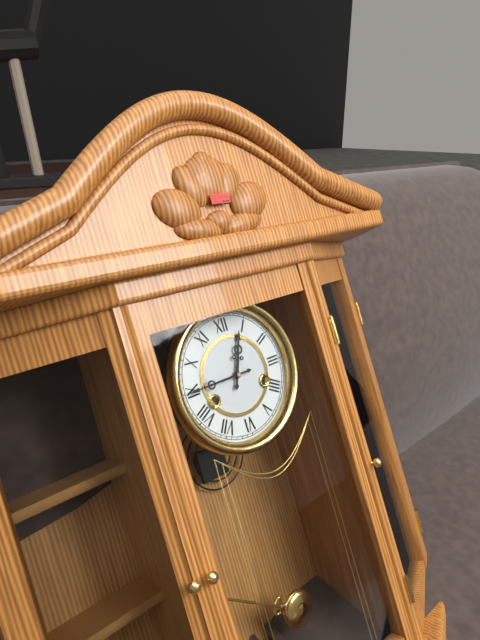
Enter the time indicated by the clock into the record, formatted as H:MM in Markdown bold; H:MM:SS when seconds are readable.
**12:45**
